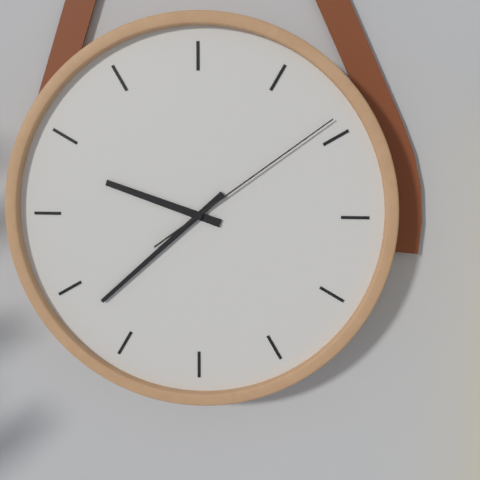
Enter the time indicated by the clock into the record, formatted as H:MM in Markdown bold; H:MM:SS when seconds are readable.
**9:38:09**
